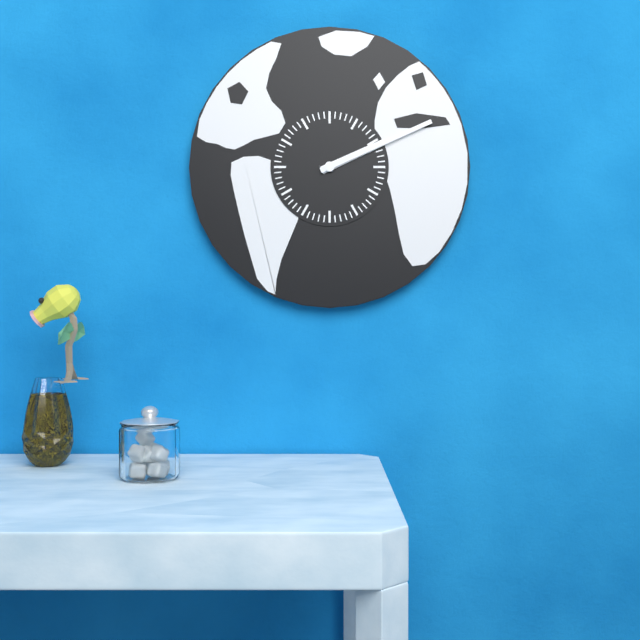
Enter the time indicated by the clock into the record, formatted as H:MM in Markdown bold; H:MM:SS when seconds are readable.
**2:11**
